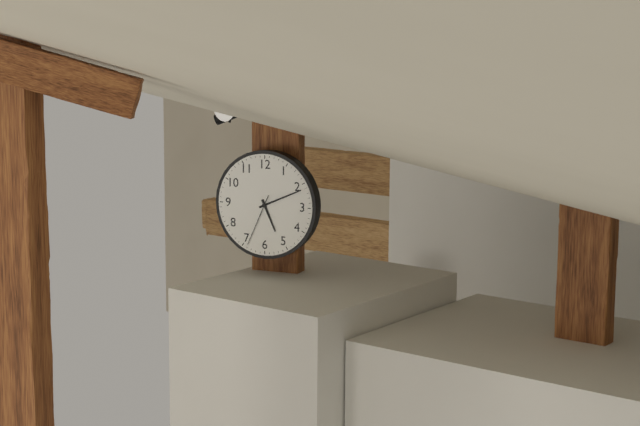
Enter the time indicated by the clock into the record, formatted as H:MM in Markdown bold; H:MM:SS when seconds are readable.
**5:11:34**
